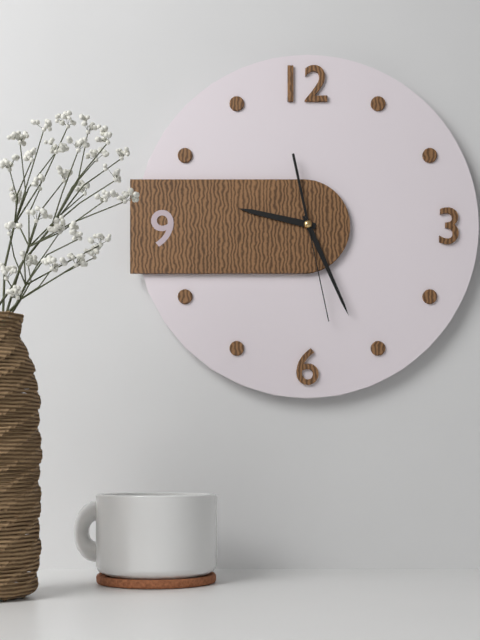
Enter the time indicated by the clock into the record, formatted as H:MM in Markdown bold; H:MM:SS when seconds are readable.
**9:26:28**
